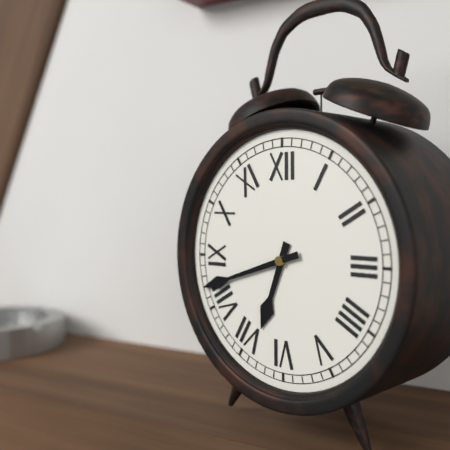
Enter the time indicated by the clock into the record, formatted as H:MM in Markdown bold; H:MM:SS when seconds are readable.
**6:42**
